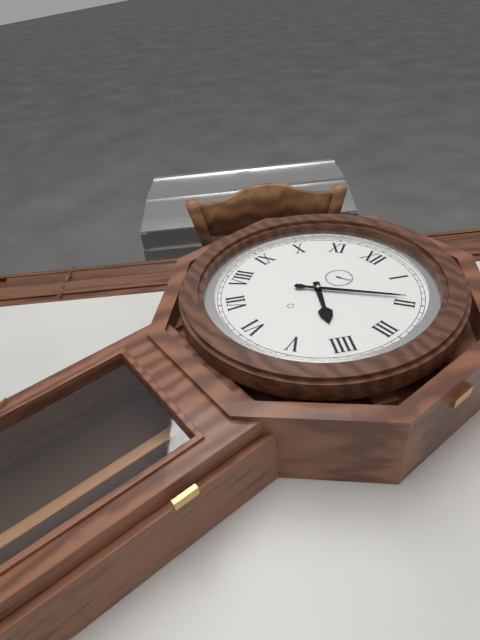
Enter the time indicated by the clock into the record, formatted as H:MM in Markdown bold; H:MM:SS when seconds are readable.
**4:09**
